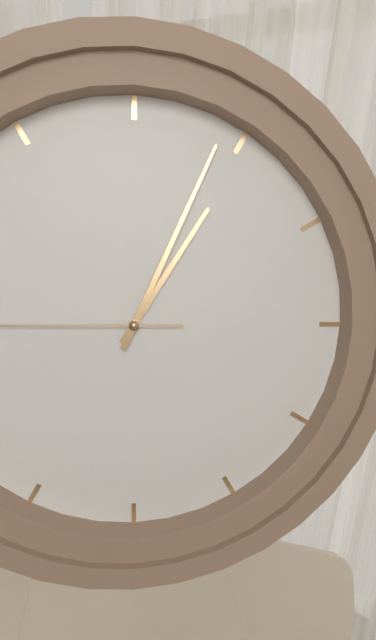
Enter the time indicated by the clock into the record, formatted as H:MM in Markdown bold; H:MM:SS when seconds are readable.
**1:04**
